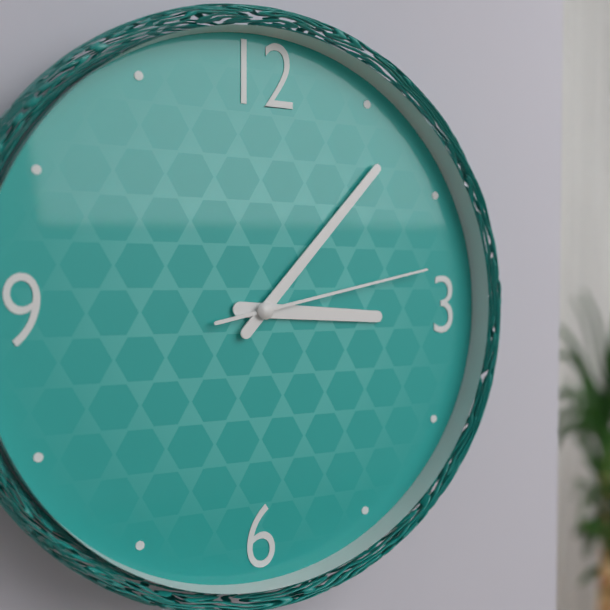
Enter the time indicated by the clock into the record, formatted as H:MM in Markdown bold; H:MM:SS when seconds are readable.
**3:07:13**
